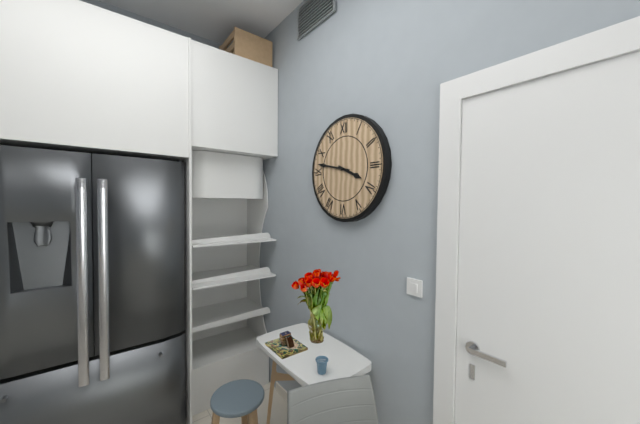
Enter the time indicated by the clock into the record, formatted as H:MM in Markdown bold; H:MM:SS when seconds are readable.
**3:47**
